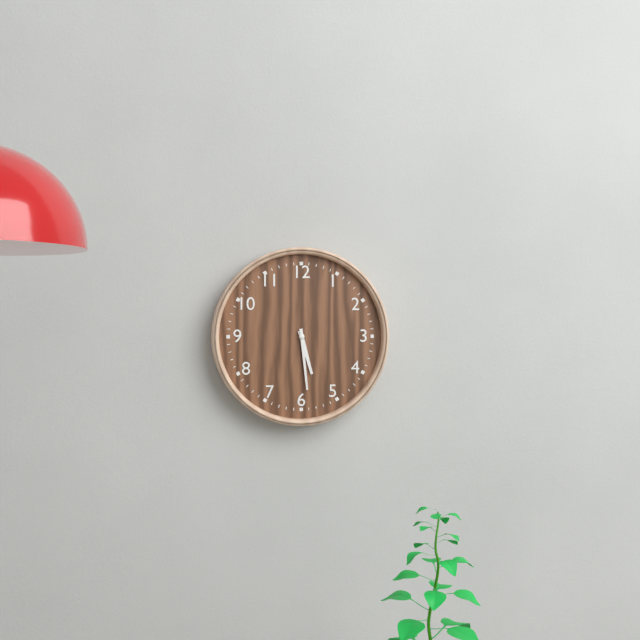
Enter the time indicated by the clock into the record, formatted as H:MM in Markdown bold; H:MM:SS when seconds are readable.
**5:29**
